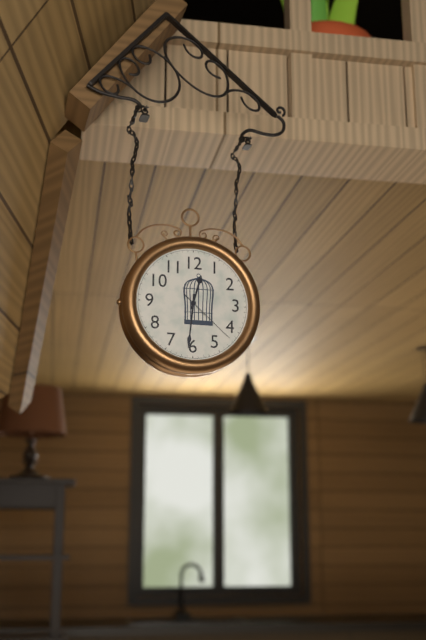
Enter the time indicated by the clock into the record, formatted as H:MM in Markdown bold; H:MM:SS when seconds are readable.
**12:31:22**
